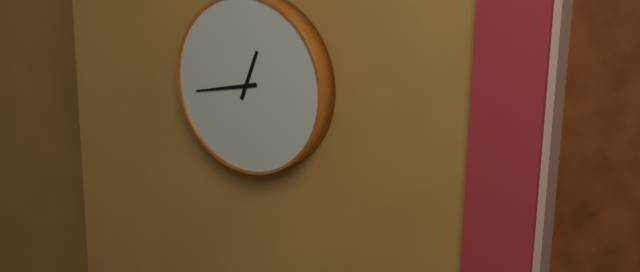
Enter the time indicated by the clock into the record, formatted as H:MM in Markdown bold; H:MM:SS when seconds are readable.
**12:43**
